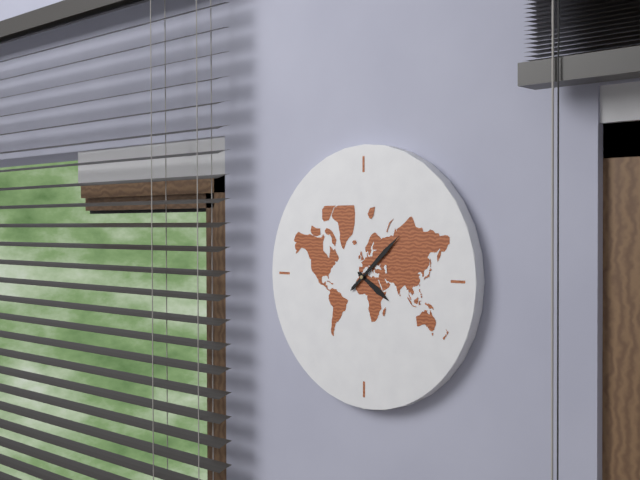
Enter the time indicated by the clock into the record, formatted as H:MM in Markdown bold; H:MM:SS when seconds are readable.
**4:08**
